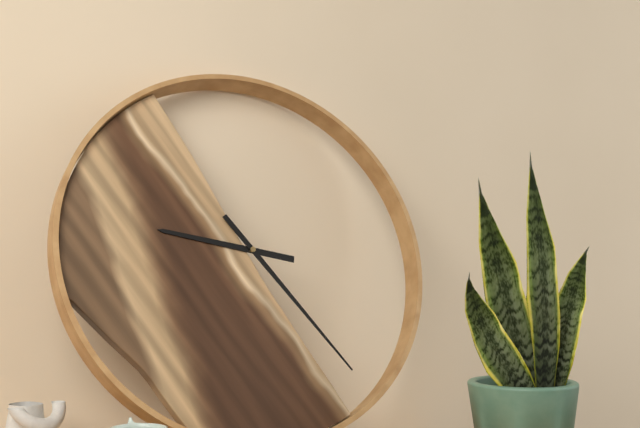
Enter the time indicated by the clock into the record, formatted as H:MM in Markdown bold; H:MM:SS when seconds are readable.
**9:24**
